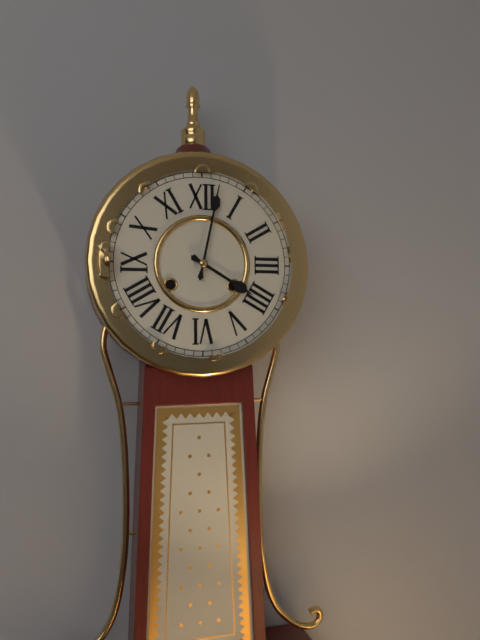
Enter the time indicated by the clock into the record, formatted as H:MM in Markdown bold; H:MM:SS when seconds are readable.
**4:02**
